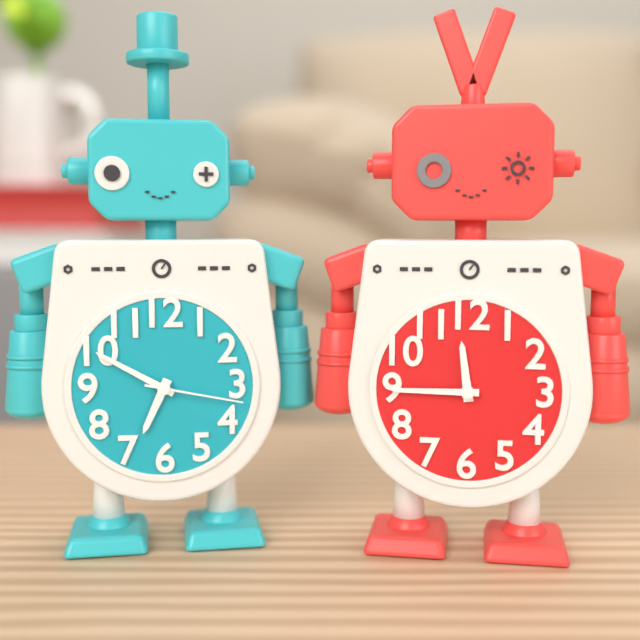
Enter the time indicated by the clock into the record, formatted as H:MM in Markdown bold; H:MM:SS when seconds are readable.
**6:50:17**
